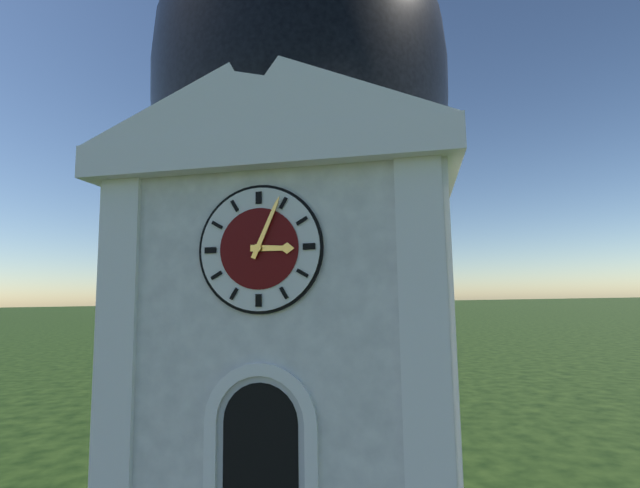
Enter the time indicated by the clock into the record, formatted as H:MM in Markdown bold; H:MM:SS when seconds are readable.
**3:04**
